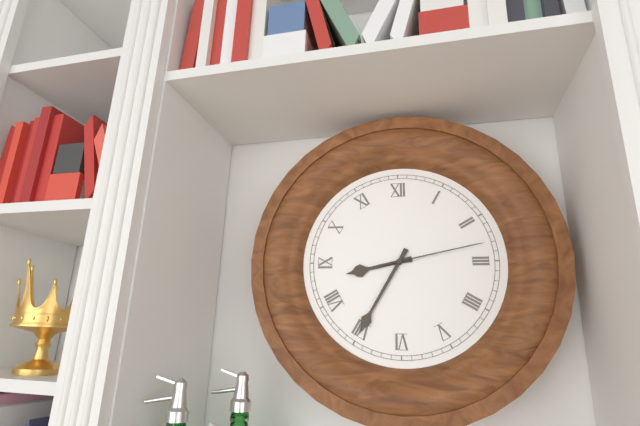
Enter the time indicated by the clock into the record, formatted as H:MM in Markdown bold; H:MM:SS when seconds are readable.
**8:35:13**
